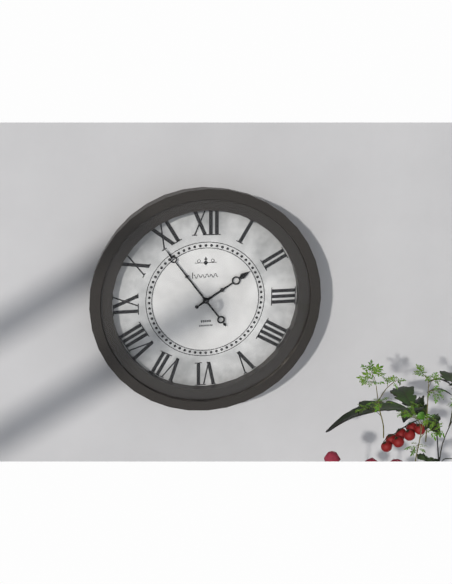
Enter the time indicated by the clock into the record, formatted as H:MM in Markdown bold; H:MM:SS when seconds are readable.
**1:54**
